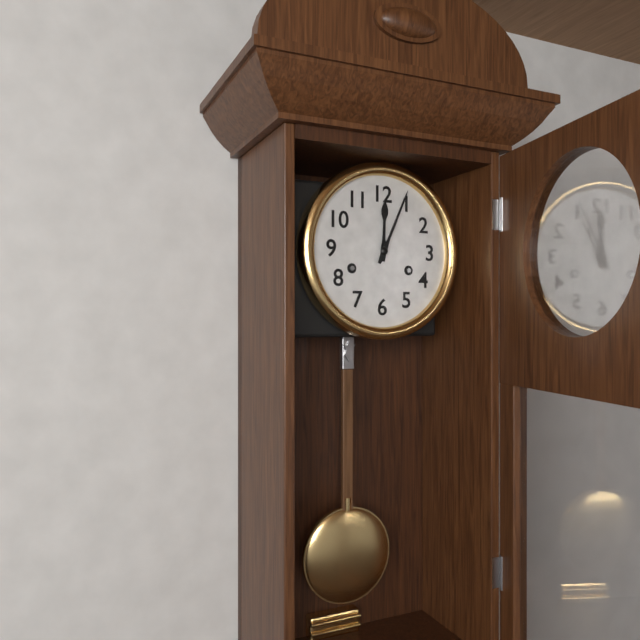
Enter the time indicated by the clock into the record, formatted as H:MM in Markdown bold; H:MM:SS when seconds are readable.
**12:04**
